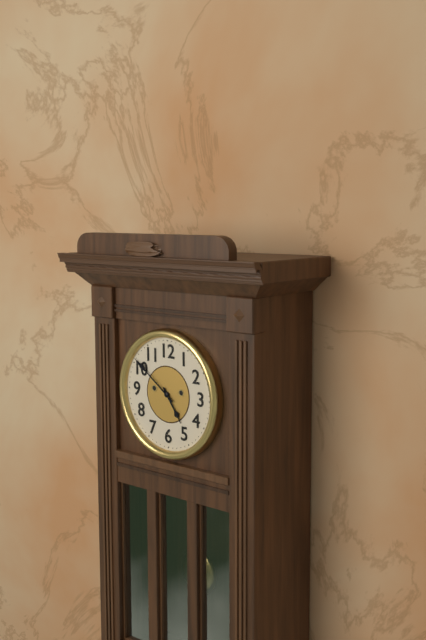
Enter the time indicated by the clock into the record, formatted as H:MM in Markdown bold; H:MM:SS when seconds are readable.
**4:51**
